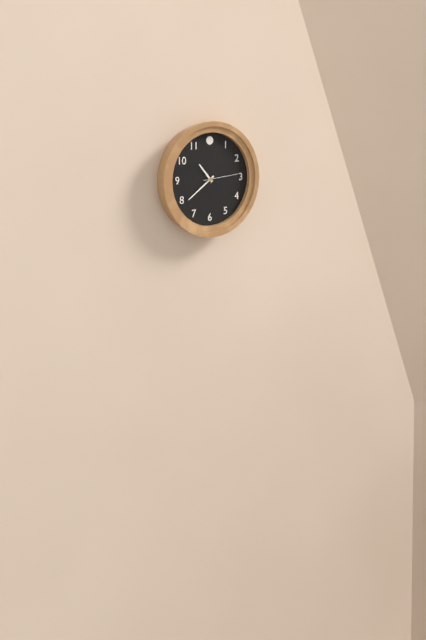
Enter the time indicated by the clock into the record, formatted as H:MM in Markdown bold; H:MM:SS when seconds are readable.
**10:39**
